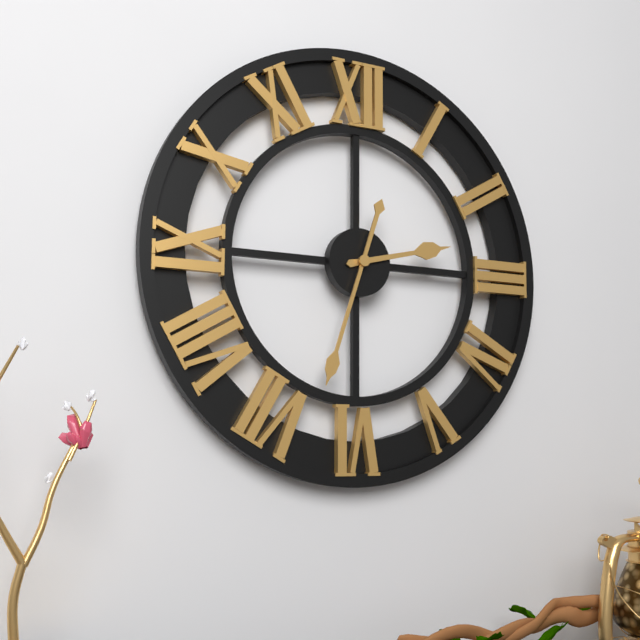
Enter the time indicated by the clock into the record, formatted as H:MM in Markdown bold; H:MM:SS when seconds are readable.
**2:33**
